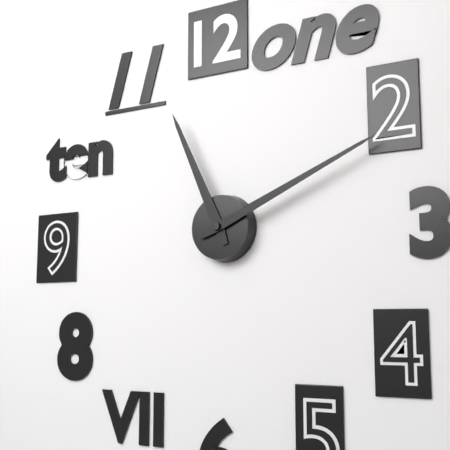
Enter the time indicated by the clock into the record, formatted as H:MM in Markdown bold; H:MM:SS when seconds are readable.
**11:11**
